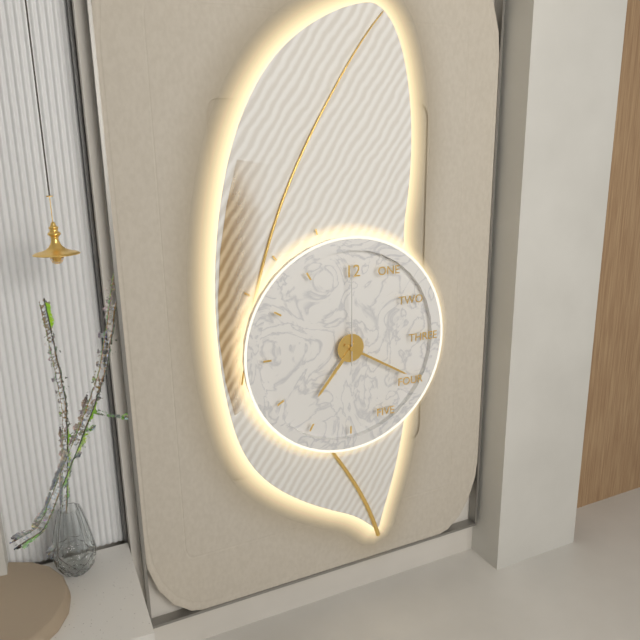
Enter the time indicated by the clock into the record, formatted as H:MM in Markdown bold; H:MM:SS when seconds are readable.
**7:20:00**
